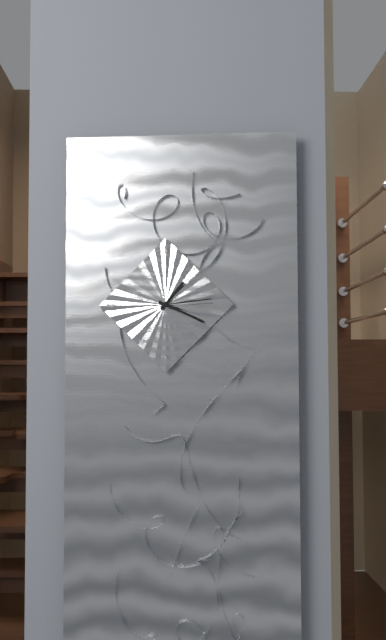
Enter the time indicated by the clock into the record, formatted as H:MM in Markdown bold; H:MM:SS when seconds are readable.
**1:19:14**
